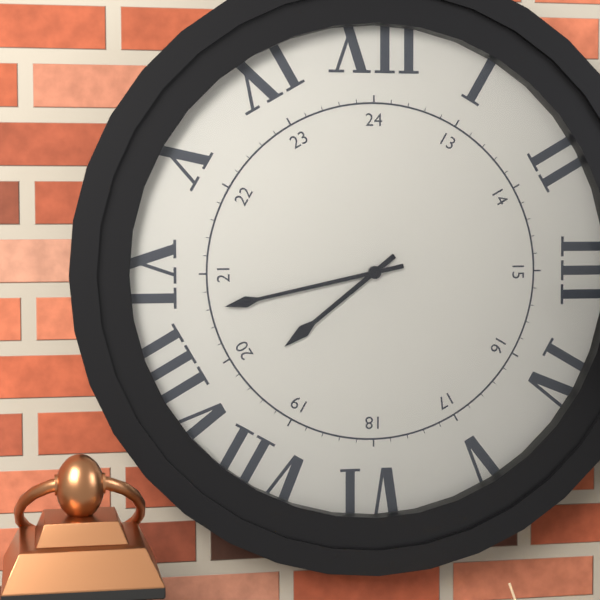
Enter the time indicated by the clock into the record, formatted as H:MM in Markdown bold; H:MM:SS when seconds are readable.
**7:43**
